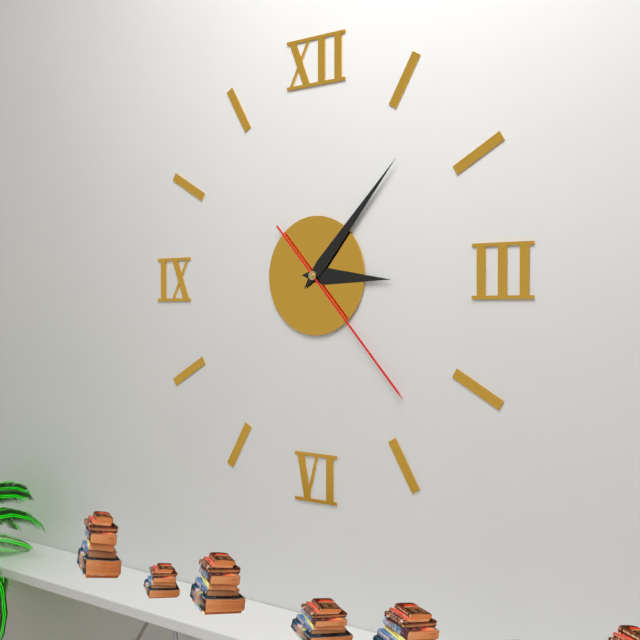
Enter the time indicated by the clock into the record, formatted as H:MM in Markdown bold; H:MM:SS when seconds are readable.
**3:07:23**
